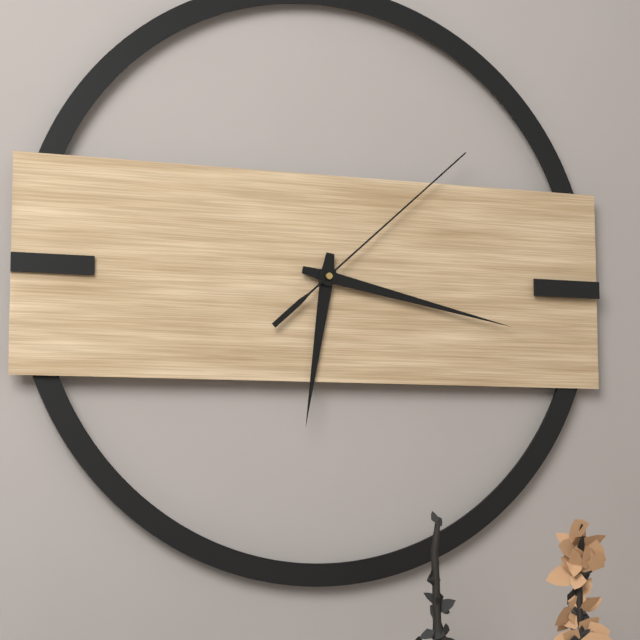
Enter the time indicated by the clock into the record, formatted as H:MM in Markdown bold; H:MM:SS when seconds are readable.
**6:17:08**
